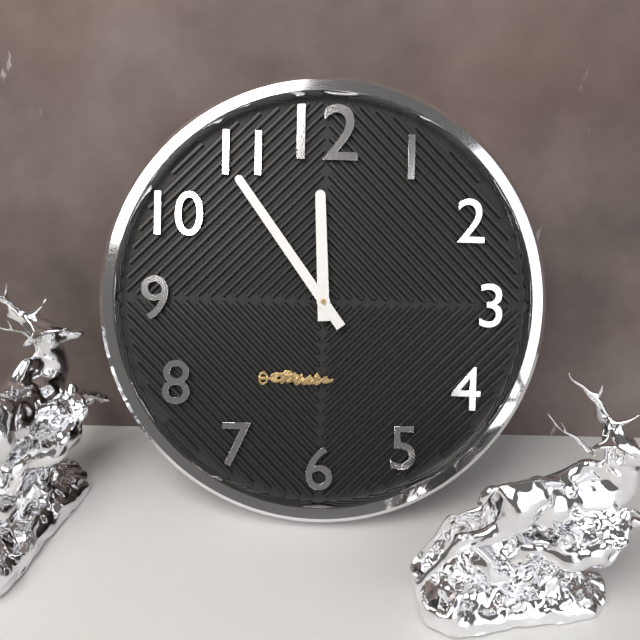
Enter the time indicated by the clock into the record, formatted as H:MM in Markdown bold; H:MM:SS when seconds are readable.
**11:54**
